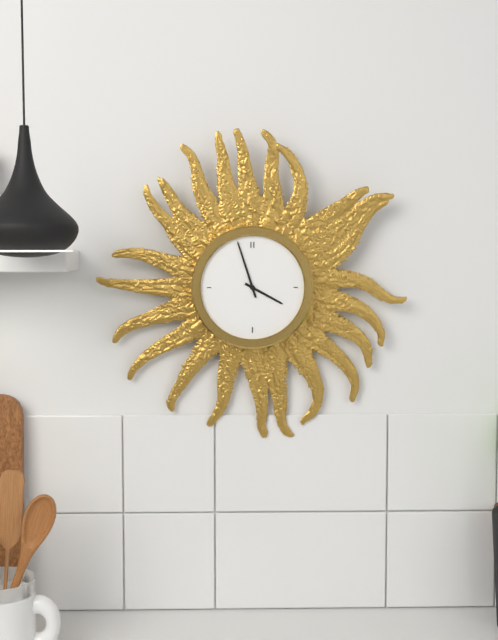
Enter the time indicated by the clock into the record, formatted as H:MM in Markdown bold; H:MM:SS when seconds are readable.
**3:57**
